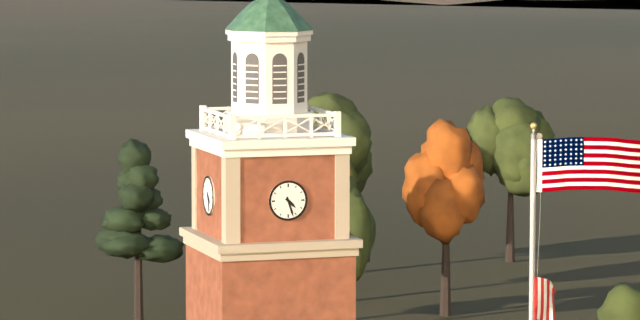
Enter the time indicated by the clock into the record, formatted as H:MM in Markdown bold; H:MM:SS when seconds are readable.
**4:27**
